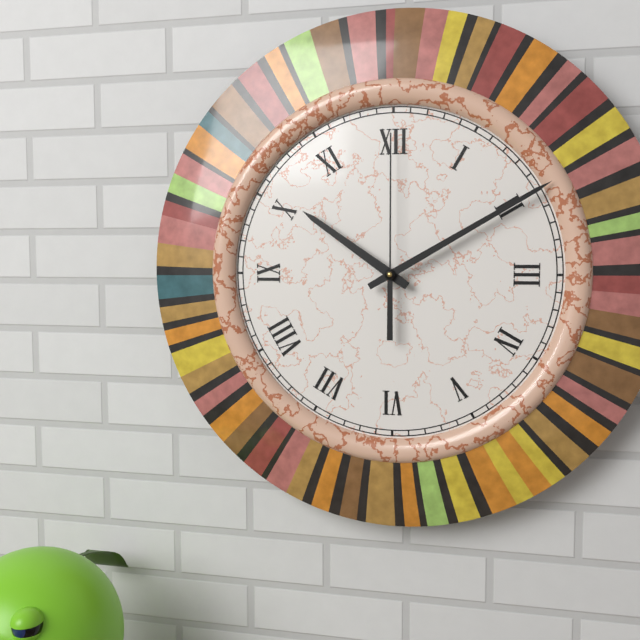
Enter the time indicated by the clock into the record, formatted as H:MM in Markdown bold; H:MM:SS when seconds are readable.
**10:10:00**
